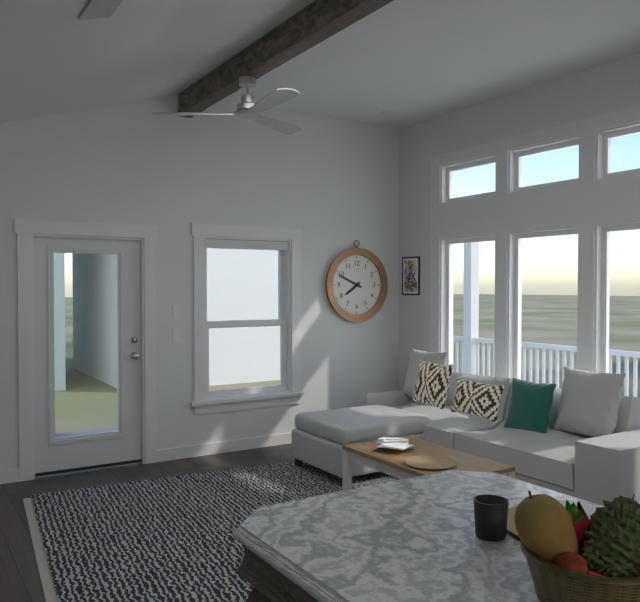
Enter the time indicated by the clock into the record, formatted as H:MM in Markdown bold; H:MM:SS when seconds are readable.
**7:49**
